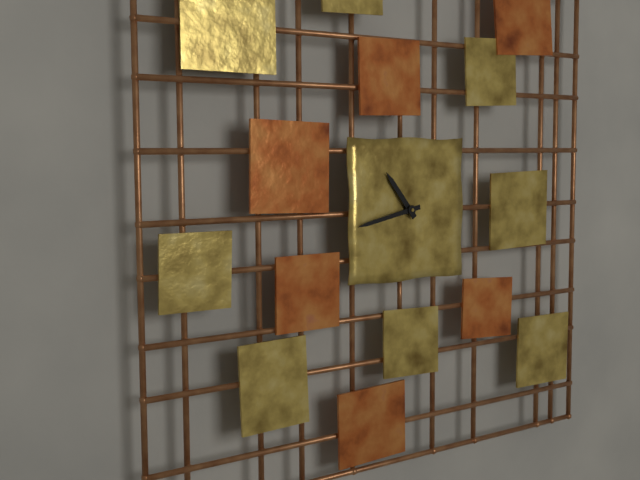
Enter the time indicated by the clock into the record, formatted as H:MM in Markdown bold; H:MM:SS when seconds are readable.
**10:43**
